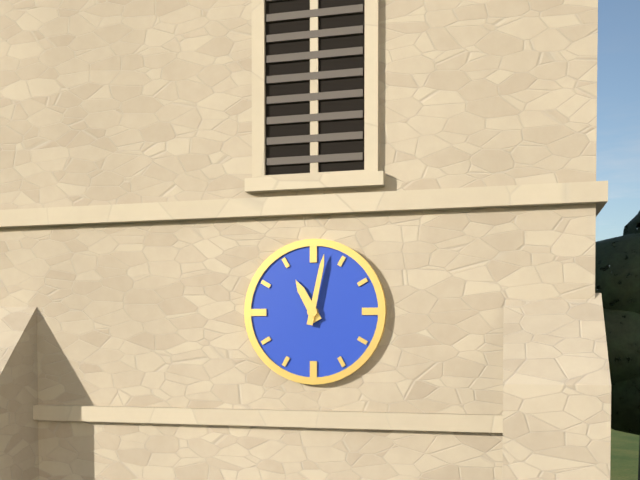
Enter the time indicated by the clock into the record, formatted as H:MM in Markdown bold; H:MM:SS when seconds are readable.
**11:02**
